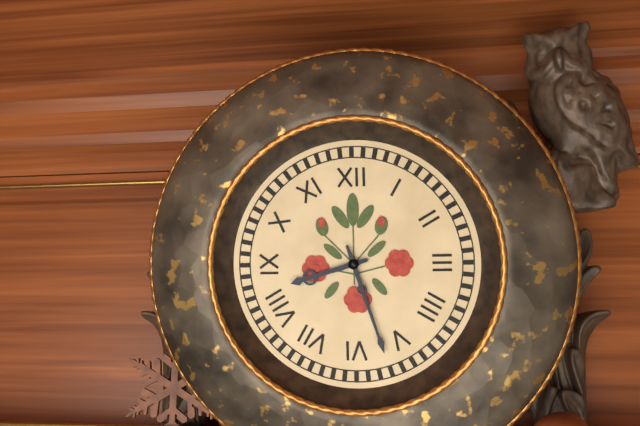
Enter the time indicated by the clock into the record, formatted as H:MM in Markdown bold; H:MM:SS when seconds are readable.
**8:27**
